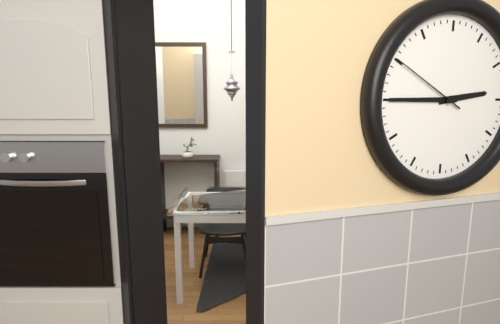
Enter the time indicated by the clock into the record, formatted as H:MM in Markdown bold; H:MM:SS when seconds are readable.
**2:45:50**
